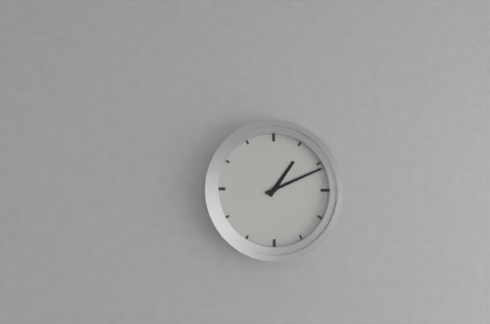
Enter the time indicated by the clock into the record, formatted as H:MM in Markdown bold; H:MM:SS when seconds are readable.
**1:11**
